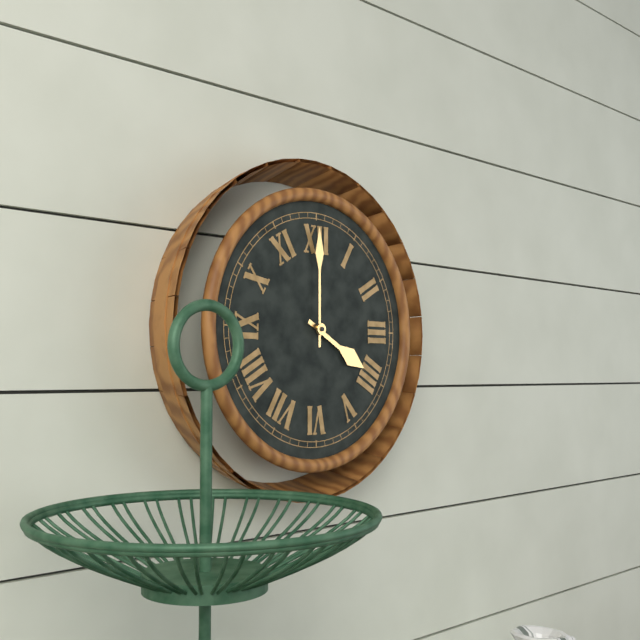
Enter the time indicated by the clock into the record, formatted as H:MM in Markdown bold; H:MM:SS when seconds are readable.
**4:00**
